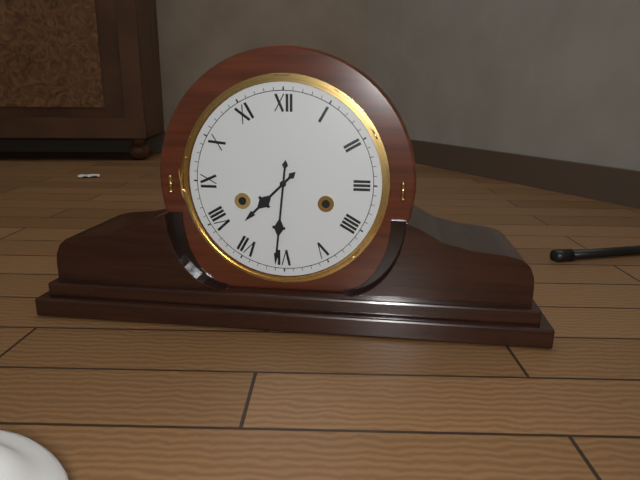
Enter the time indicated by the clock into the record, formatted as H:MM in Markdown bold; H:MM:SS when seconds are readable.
**7:31**
